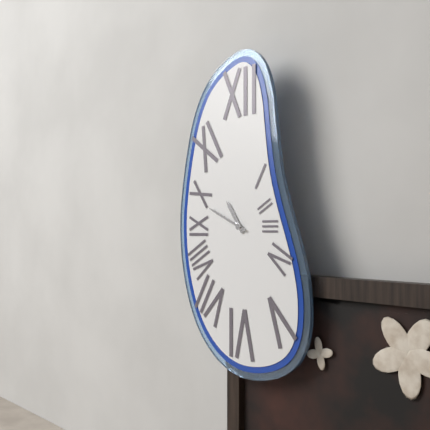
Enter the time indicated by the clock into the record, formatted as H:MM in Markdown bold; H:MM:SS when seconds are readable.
**10:49**
